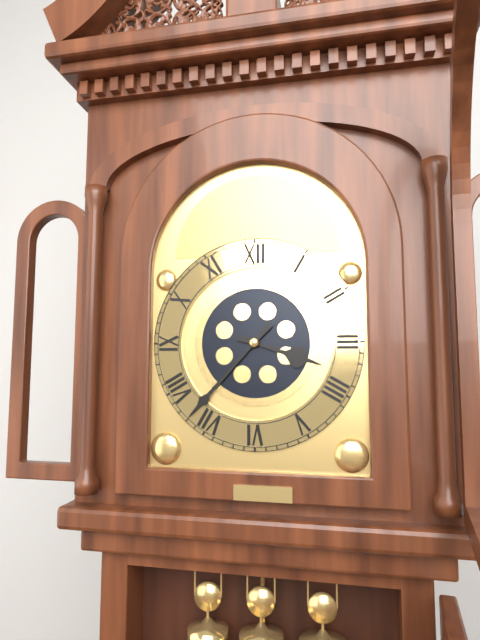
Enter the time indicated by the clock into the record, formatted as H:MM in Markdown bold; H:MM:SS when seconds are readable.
**3:37**
